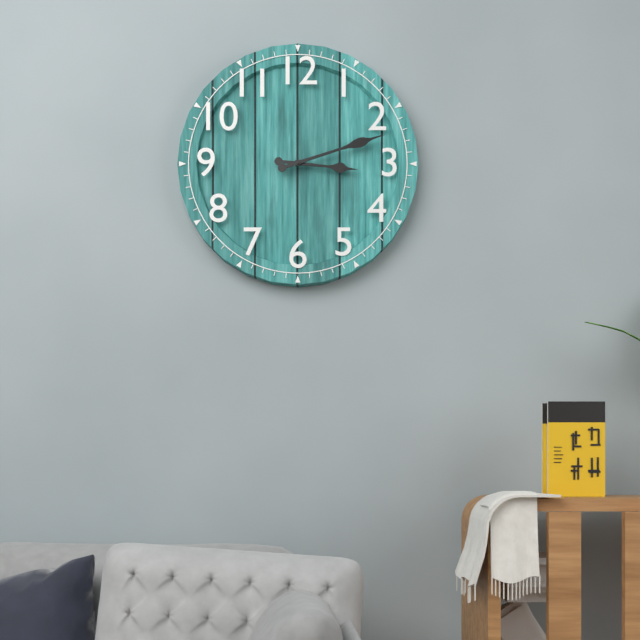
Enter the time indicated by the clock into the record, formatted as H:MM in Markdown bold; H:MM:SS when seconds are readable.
**3:12**
